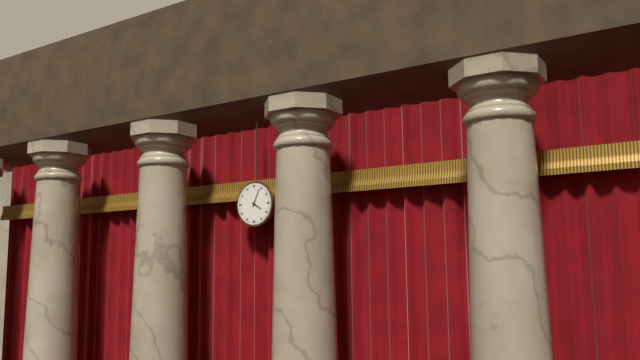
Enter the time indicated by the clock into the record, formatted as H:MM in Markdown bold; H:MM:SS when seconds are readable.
**4:04**
